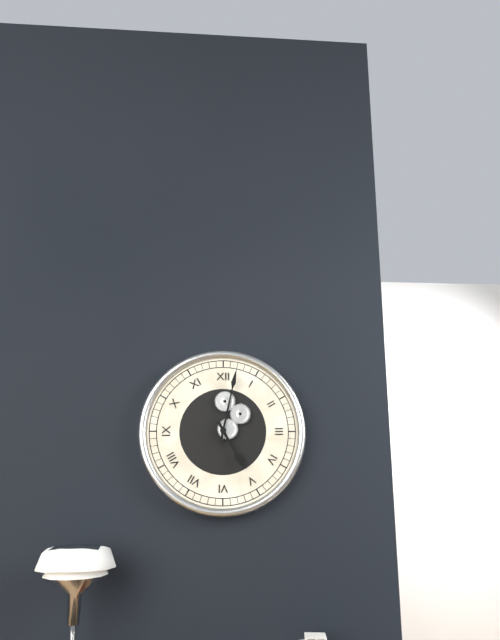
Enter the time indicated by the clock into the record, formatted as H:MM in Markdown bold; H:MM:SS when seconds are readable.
**5:02**
